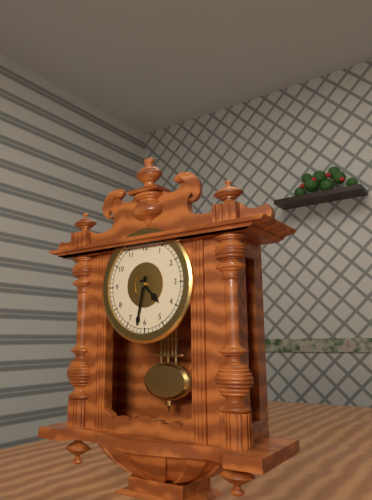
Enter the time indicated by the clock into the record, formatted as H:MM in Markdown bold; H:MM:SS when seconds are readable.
**4:32**
